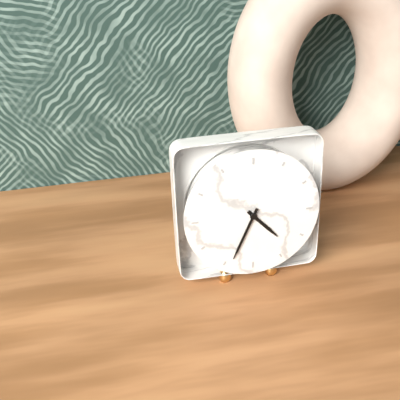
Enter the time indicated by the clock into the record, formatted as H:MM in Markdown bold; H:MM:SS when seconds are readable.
**4:34**
